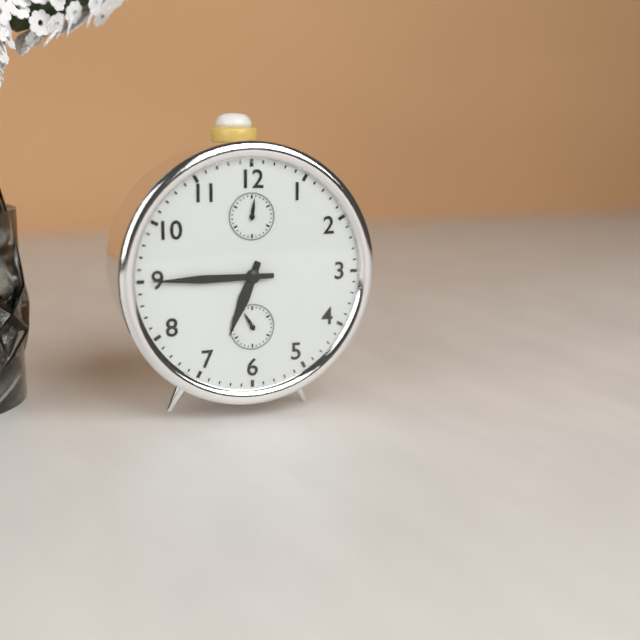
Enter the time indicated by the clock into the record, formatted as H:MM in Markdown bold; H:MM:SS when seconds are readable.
**6:45**
